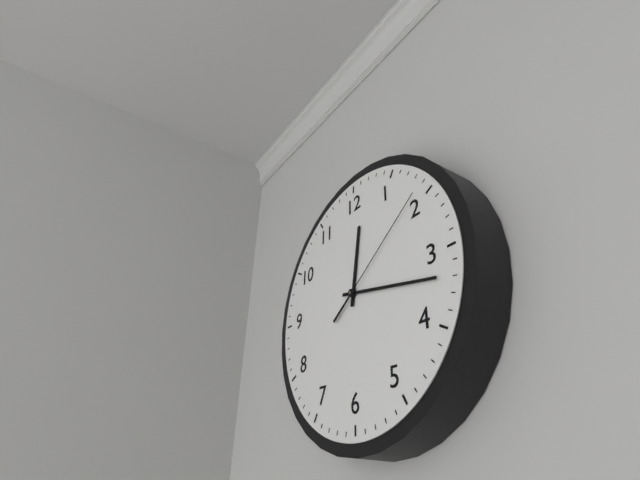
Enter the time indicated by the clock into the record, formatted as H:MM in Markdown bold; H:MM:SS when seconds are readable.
**12:17:09**
